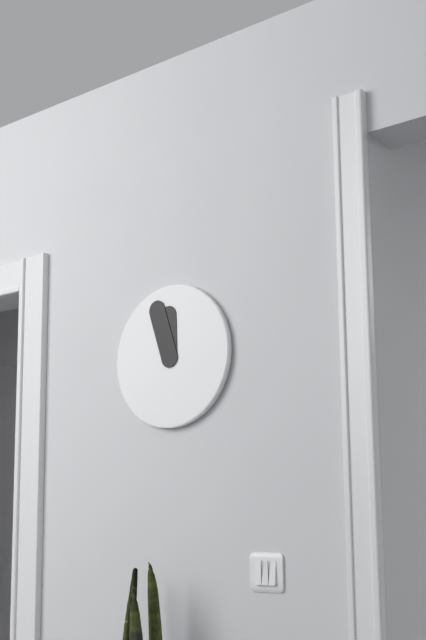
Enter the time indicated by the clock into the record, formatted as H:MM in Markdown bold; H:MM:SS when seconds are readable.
**11:57**
